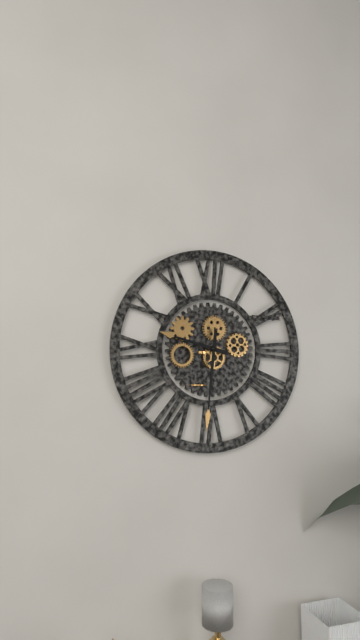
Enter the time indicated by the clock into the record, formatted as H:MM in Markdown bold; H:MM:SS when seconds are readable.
**9:31**
